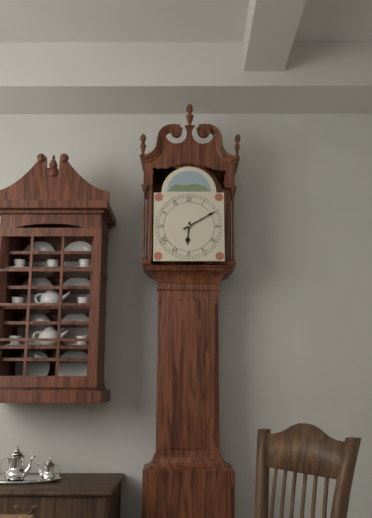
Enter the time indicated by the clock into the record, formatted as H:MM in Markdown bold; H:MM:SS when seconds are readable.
**6:10**
